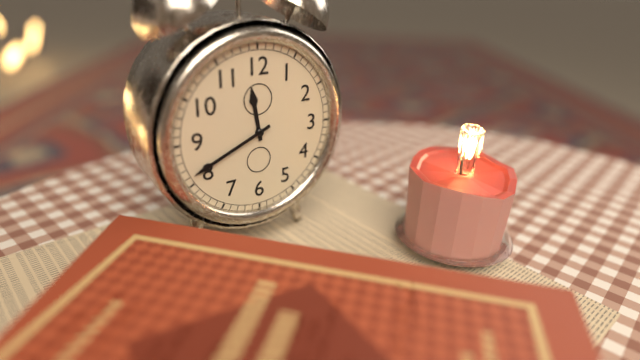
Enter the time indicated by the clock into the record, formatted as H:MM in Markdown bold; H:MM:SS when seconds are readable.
**11:41**
